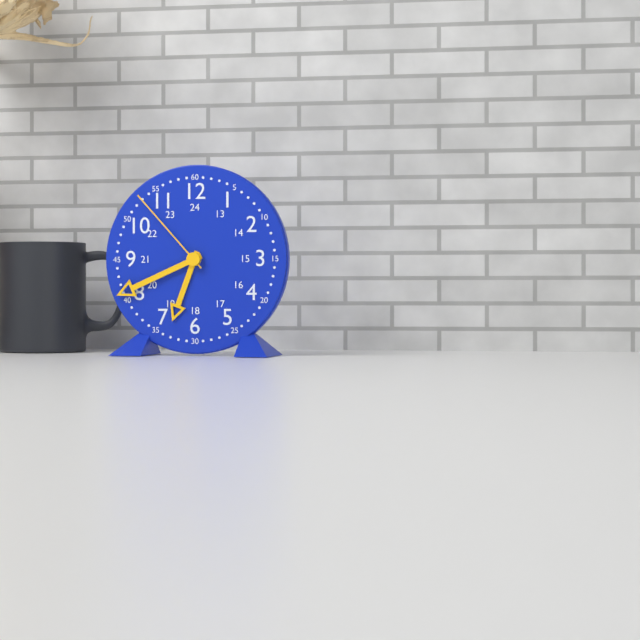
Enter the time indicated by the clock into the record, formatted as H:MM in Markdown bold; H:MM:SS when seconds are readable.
**6:41:53**
